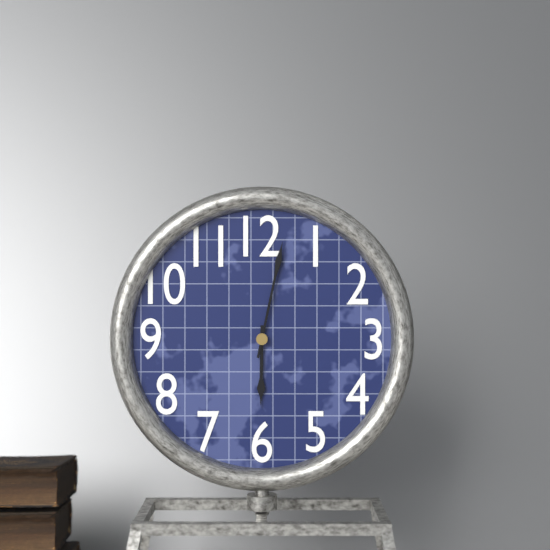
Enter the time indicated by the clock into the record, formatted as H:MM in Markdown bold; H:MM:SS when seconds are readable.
**6:02**
